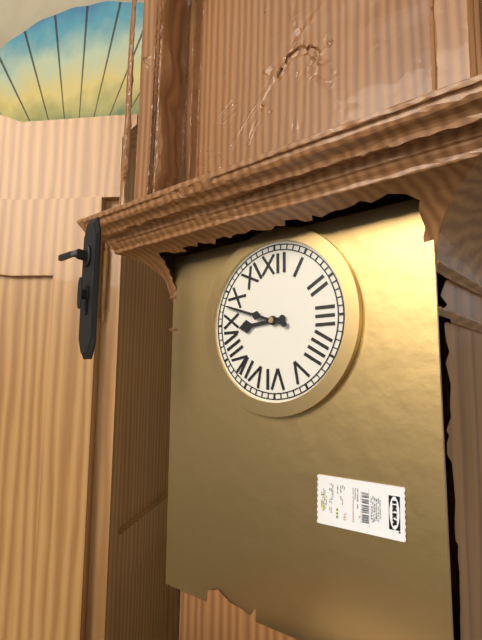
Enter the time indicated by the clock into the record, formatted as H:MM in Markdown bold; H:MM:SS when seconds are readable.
**8:48**
